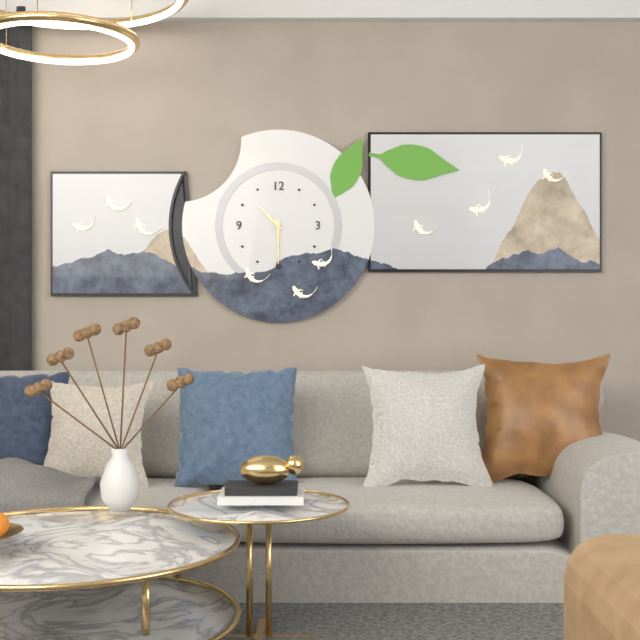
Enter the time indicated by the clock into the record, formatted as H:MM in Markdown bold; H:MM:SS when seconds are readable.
**10:30**
